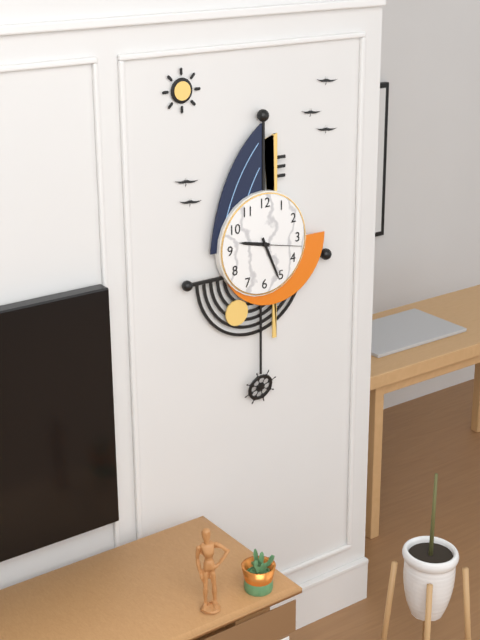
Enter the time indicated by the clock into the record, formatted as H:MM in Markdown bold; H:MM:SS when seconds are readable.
**9:26**
